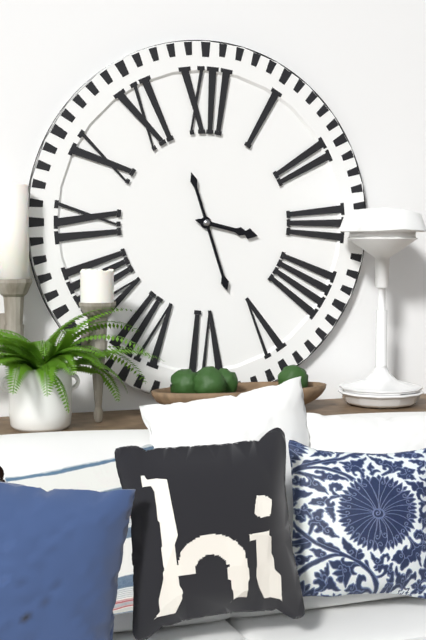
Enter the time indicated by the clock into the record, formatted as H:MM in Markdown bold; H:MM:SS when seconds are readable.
**3:27**
